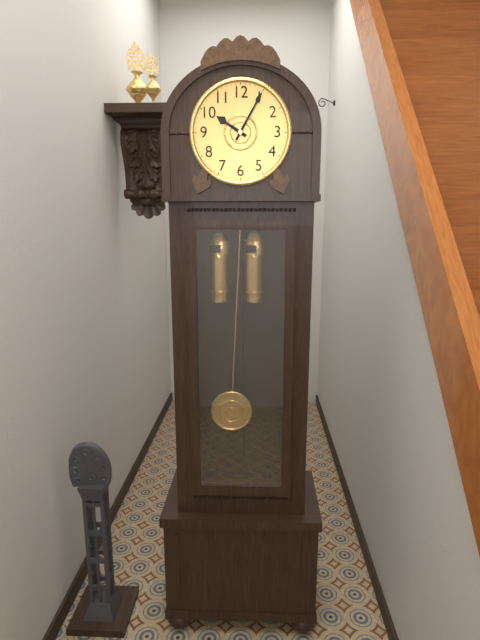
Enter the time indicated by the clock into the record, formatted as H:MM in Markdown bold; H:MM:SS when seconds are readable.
**10:05**
